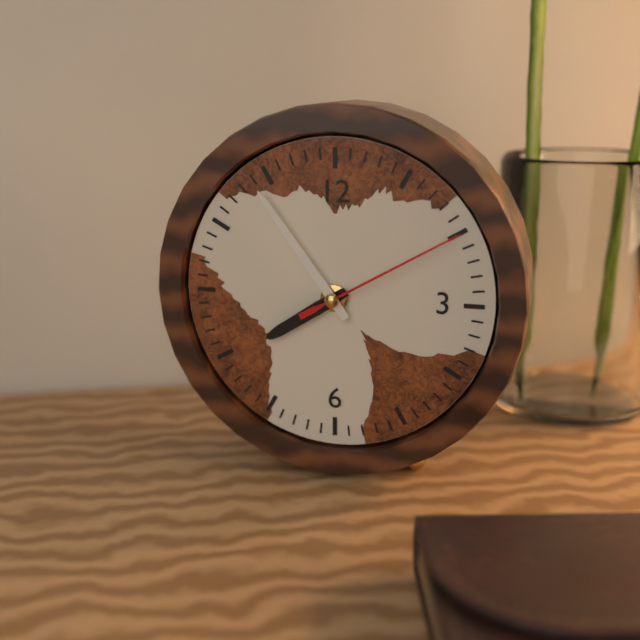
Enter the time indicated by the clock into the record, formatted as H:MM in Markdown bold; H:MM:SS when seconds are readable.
**7:54:10**
